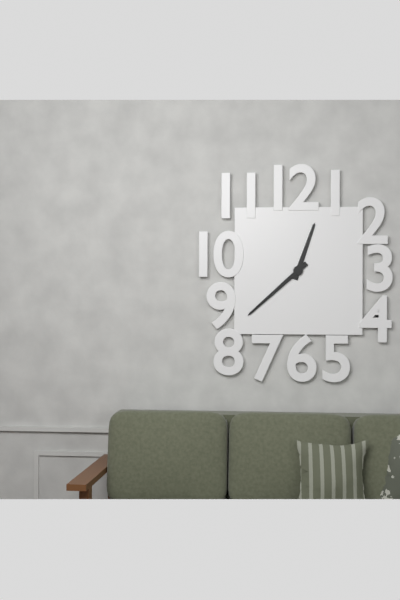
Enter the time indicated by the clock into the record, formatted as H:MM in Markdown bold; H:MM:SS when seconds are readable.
**12:38**
